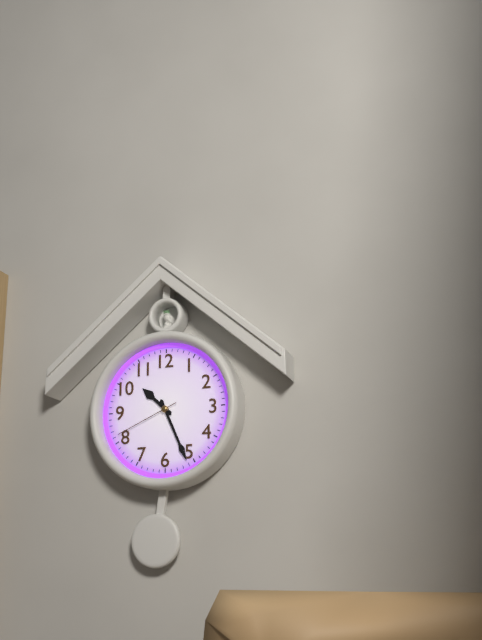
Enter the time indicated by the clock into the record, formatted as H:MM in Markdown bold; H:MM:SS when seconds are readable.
**10:26:41**
